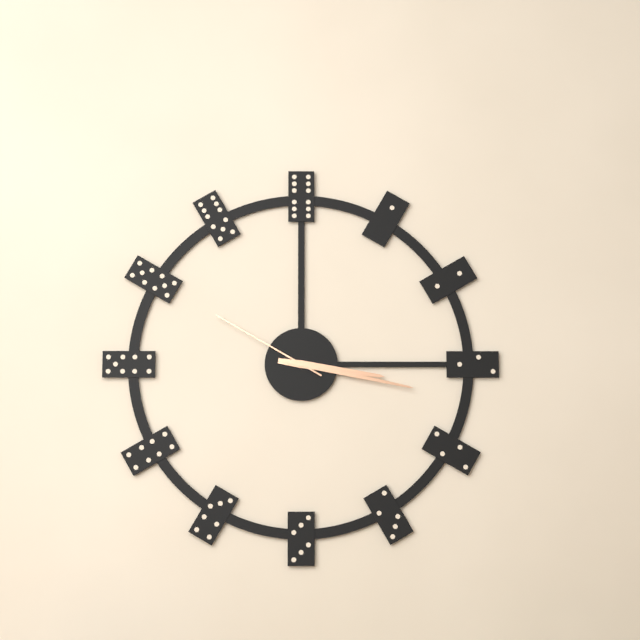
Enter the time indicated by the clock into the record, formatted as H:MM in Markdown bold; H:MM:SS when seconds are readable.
**3:17:50**
